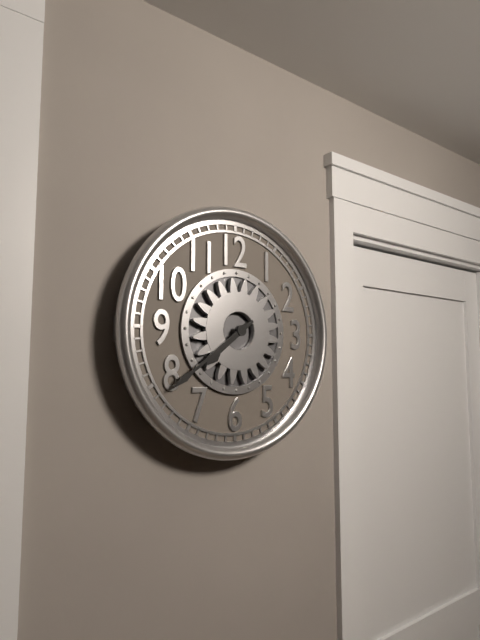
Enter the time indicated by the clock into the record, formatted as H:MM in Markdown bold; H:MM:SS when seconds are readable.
**7:39**
